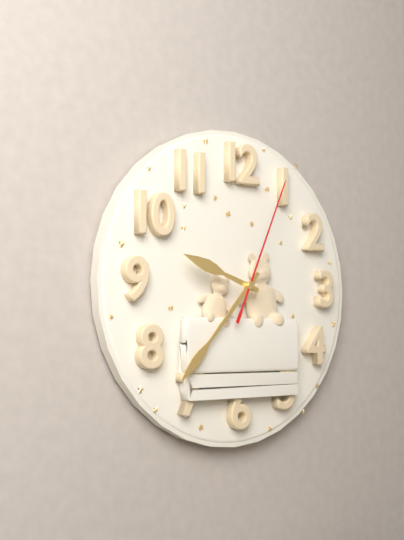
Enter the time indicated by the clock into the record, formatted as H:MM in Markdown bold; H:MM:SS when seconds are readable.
**9:37:04**
